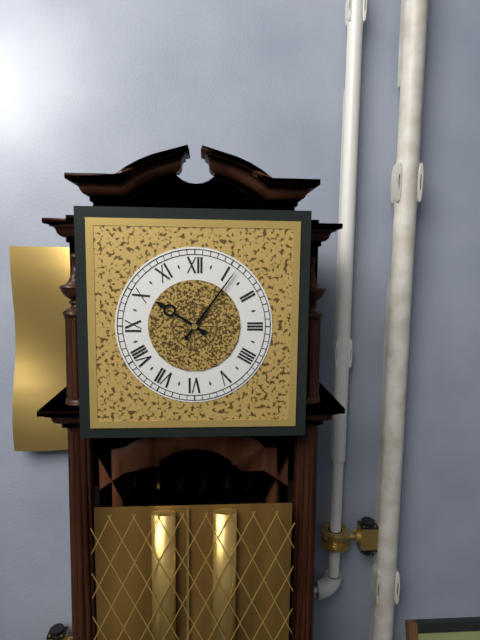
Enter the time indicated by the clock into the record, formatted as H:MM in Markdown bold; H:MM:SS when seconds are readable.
**10:06**
